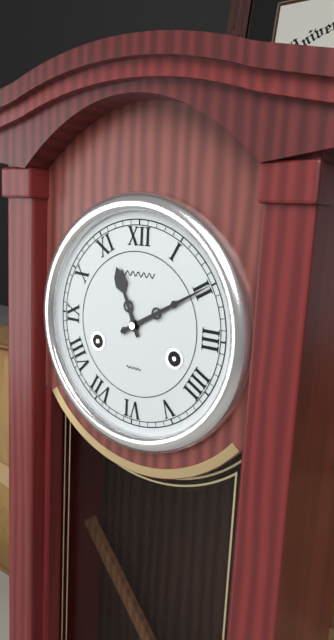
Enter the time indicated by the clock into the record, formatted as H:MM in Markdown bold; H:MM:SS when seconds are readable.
**11:10**
